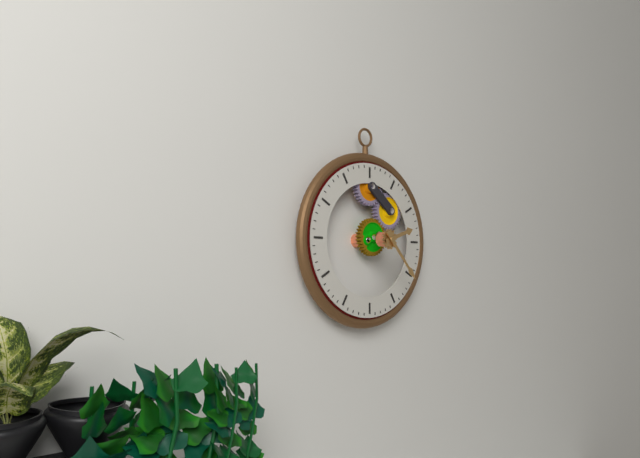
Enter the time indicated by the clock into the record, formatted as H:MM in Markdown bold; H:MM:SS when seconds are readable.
**2:23**
